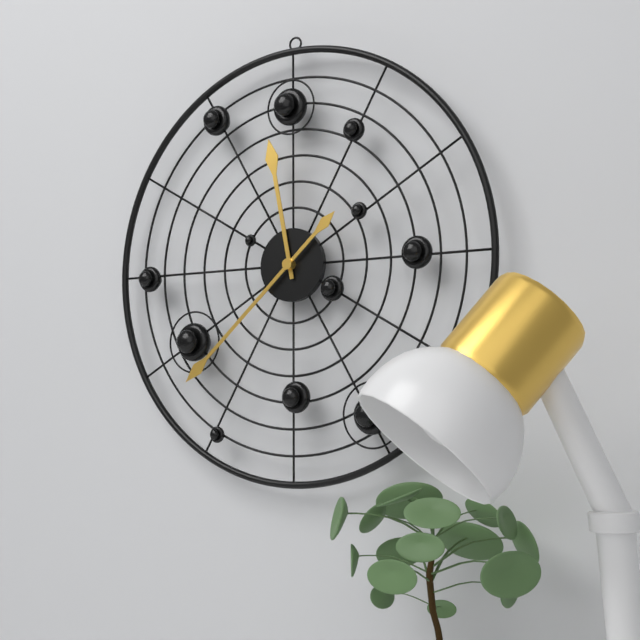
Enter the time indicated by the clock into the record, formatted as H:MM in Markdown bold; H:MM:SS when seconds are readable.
**11:38**
